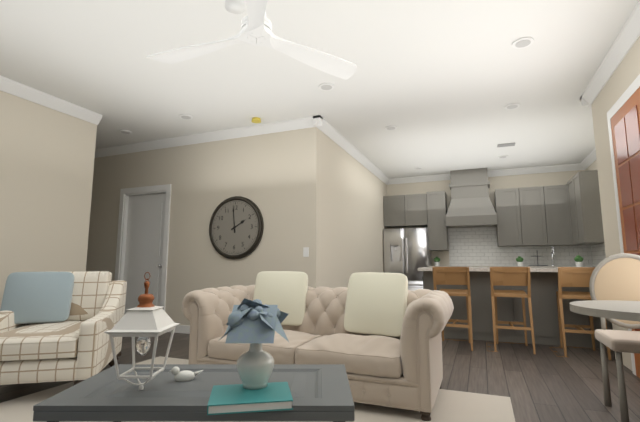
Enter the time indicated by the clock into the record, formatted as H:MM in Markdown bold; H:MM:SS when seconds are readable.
**1:59**
